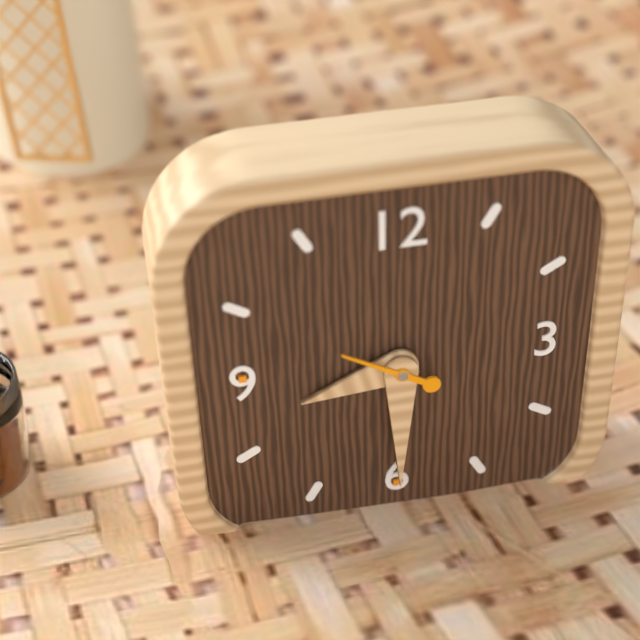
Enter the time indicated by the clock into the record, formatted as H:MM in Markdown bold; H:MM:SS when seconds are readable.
**8:30:50**
